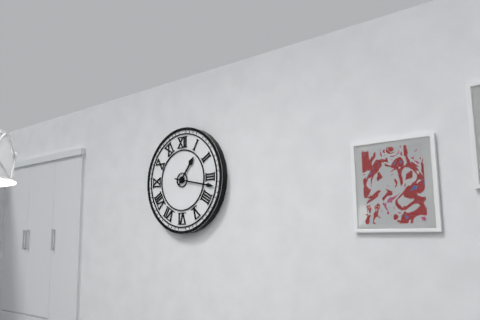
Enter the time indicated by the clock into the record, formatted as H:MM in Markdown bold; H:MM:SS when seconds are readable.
**1:17**
